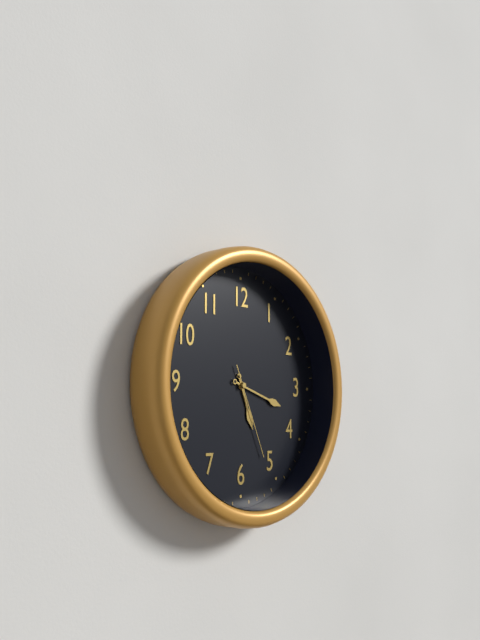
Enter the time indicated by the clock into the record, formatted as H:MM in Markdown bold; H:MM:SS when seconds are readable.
**5:18:26**
